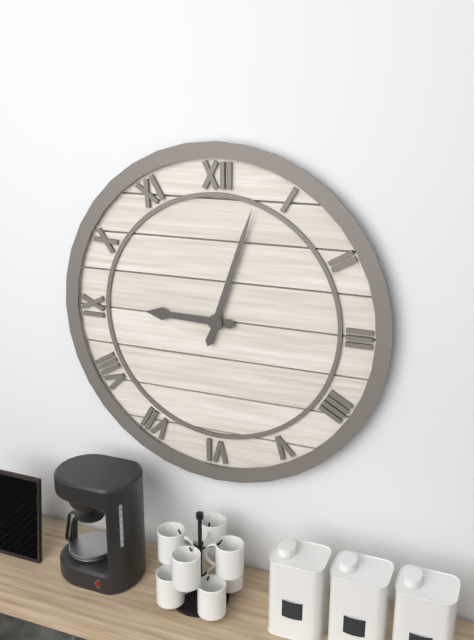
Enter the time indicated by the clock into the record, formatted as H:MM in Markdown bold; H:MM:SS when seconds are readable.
**9:03**
